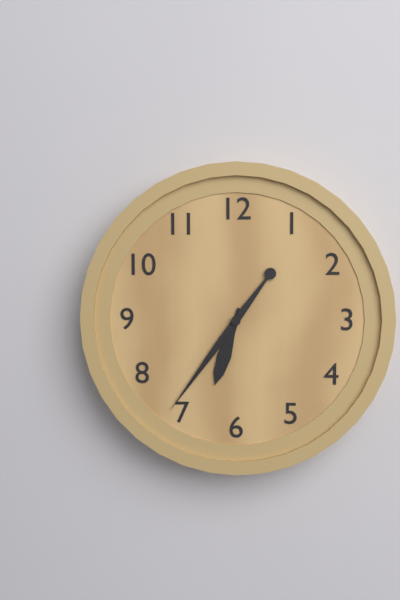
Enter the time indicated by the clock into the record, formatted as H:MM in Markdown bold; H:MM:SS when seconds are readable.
**6:36**
